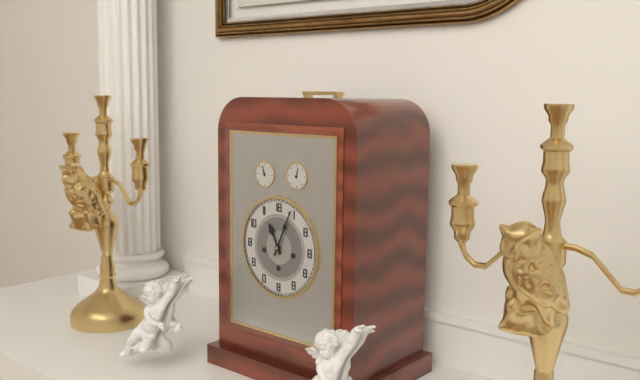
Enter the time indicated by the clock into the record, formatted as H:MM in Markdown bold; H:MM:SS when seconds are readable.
**11:04**
